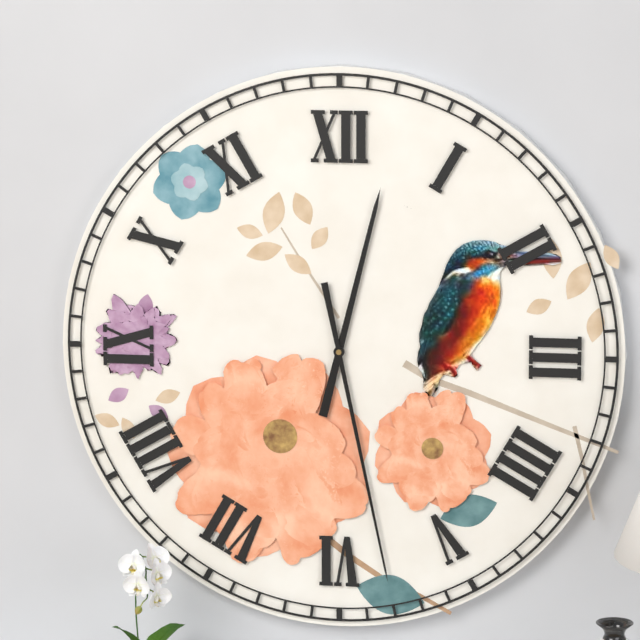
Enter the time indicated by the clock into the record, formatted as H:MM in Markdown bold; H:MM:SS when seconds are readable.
**12:28**
